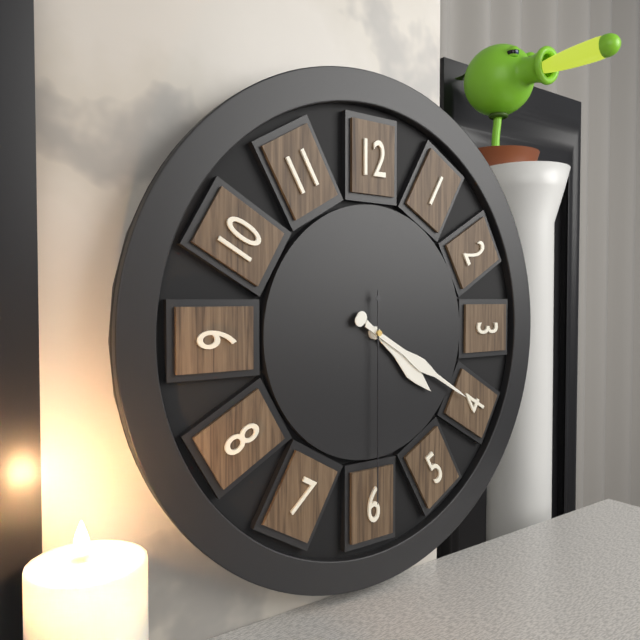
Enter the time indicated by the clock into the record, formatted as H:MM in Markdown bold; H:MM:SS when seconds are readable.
**4:20:30**
